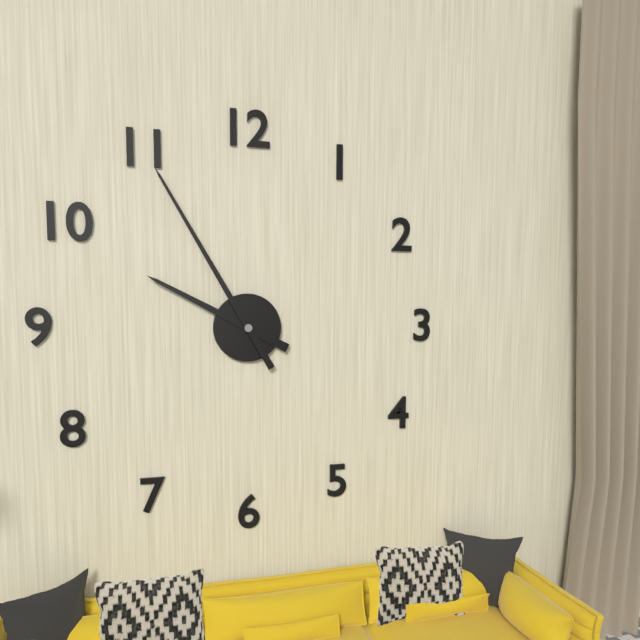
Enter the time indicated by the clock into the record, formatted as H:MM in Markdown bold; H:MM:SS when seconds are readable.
**9:55**
